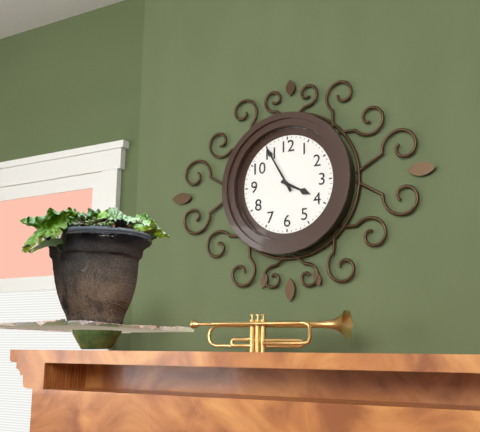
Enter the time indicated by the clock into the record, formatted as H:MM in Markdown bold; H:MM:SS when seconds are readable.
**3:55**
